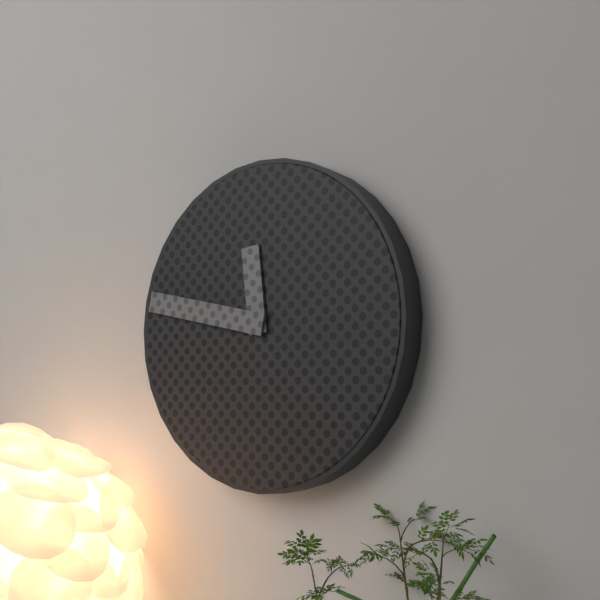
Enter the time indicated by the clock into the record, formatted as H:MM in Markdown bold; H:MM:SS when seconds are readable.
**11:47**
